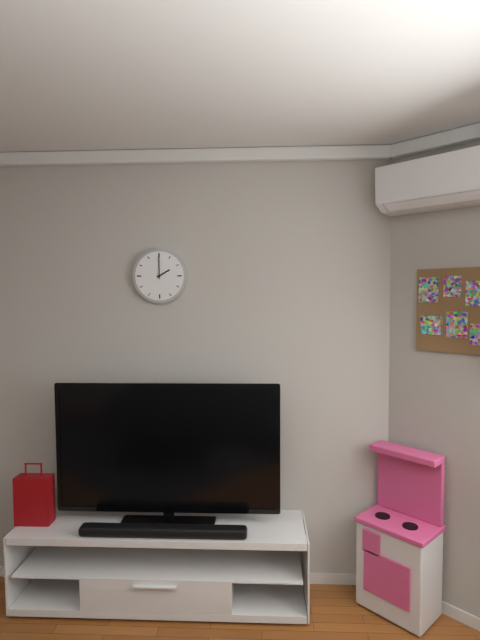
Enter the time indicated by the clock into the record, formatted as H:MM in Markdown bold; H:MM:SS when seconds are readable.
**2:00**
